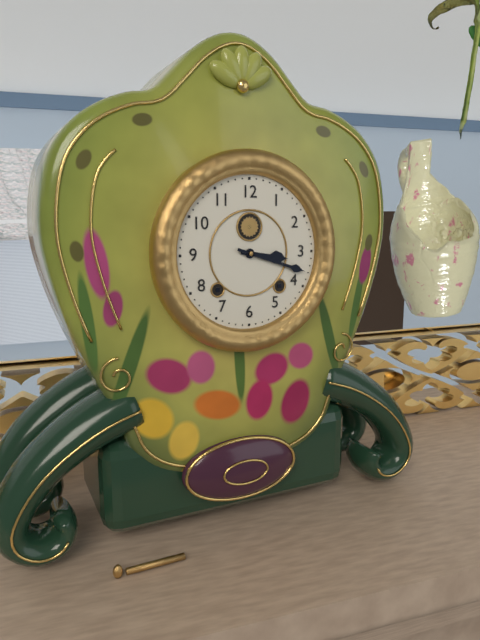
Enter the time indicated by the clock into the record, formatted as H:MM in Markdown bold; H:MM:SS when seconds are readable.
**3:18**
